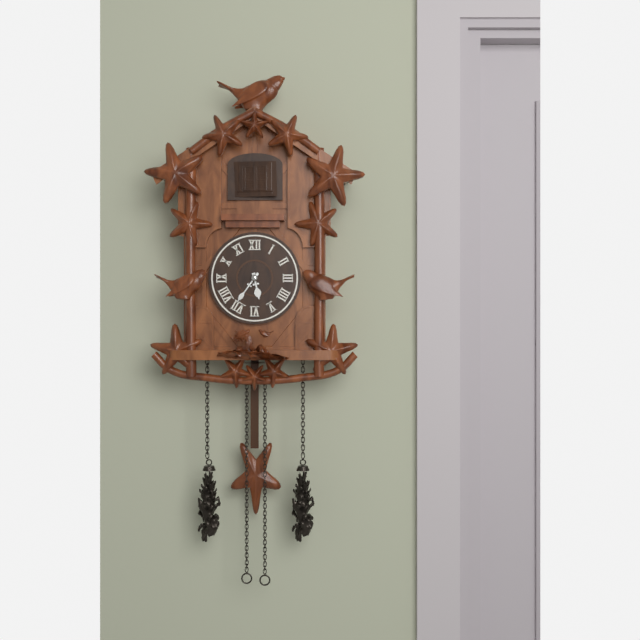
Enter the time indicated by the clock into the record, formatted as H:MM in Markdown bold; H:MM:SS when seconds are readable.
**5:36**
